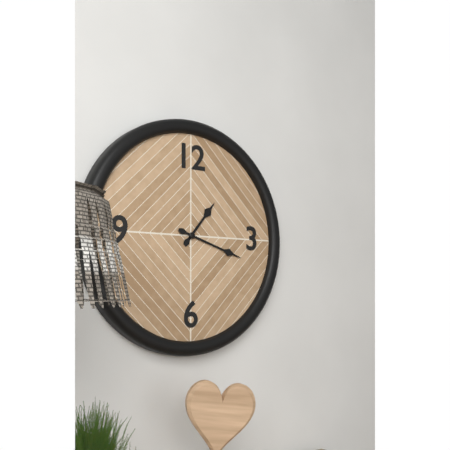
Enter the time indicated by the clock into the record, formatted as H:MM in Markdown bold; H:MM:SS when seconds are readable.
**1:18**
